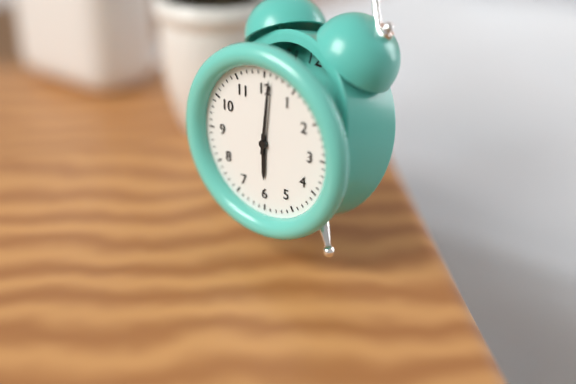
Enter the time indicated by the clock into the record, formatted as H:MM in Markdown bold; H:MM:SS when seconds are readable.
**6:01**
